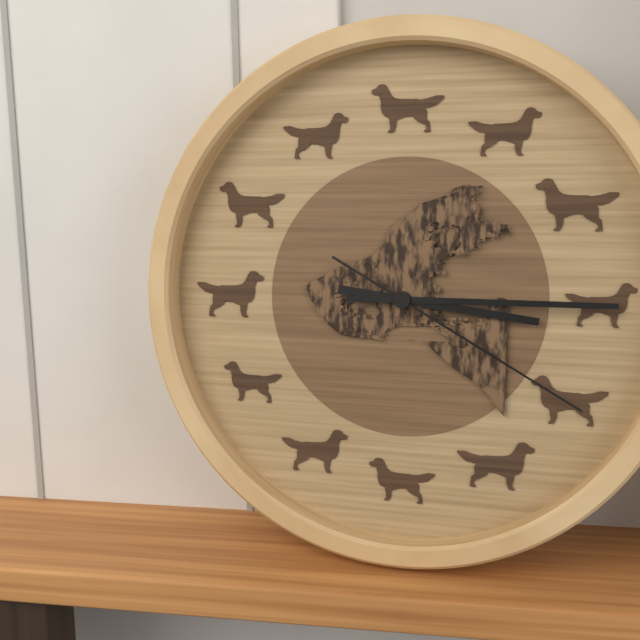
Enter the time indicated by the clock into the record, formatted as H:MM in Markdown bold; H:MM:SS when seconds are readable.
**3:15:20**
